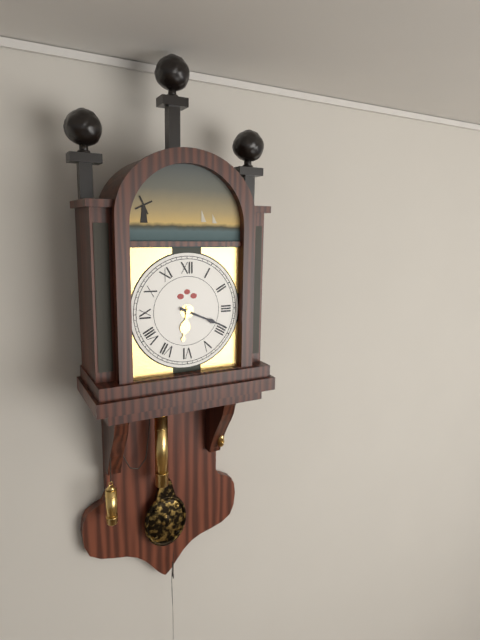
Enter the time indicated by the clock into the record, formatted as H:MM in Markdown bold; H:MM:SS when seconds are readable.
**6:19**
